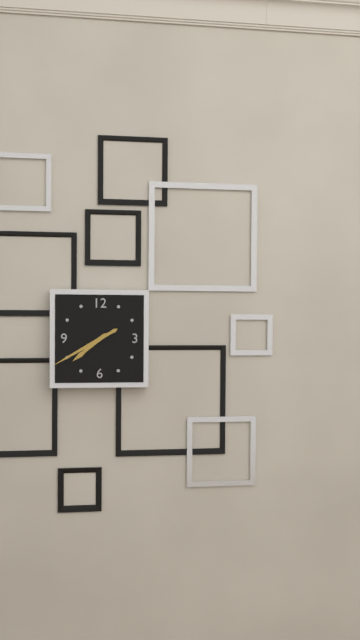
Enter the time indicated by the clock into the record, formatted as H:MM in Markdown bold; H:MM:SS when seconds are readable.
**7:40**
